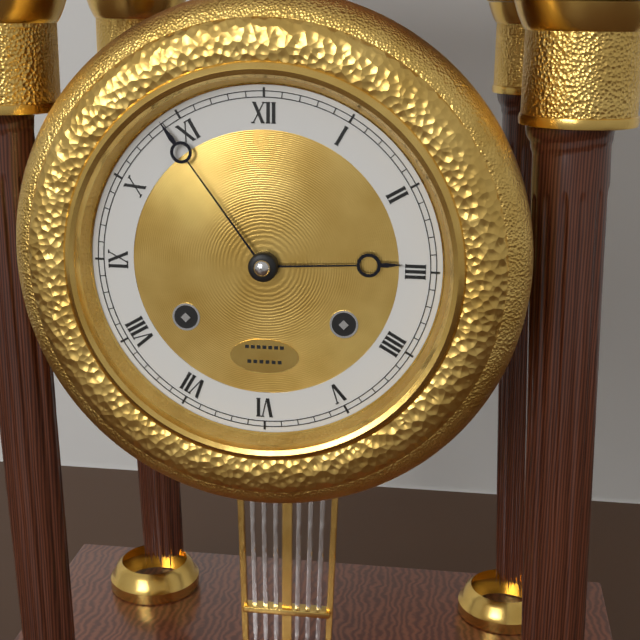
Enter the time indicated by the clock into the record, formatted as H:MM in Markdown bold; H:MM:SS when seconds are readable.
**2:54**
